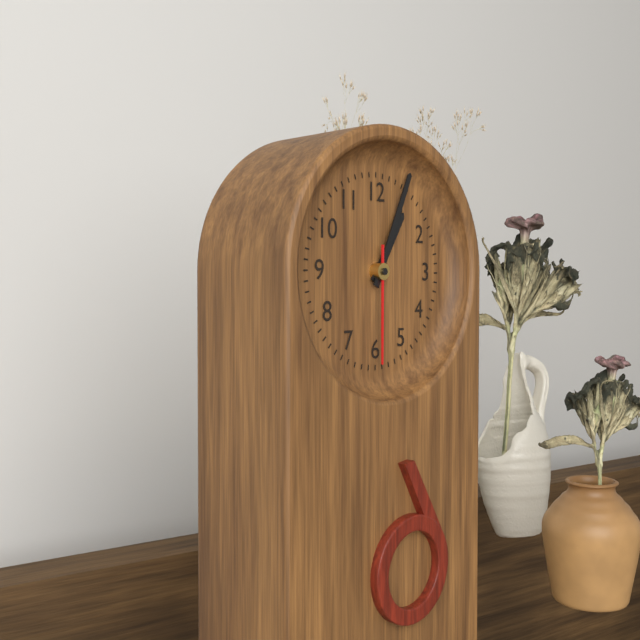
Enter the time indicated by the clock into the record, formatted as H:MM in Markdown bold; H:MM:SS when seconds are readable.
**1:04:30**
